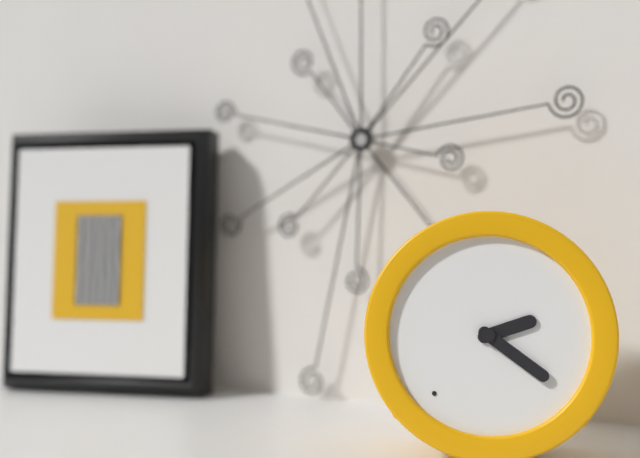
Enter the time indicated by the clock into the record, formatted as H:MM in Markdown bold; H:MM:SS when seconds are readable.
**2:21**
